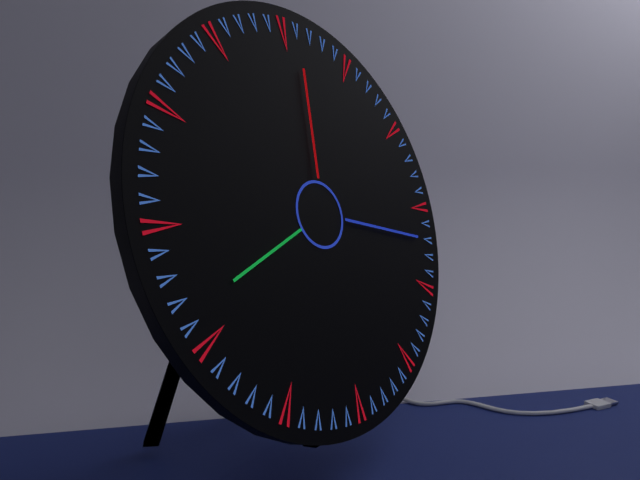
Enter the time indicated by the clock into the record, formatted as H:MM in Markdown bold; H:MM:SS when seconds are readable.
**8:17:01**
